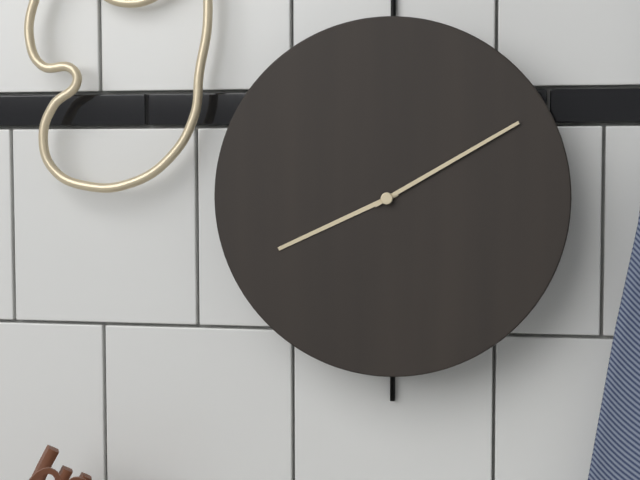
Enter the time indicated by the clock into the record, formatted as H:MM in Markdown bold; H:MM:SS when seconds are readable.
**8:10**
